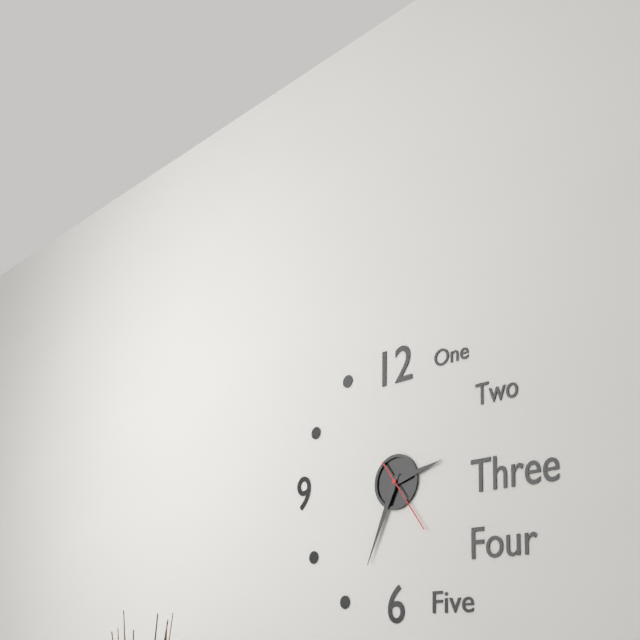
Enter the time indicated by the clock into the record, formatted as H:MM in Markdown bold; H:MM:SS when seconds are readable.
**2:34:24**
